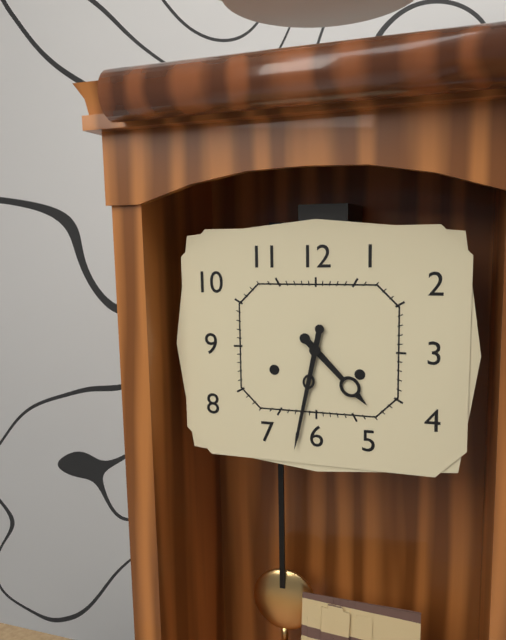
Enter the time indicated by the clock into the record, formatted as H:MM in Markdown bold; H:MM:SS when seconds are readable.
**4:32**
